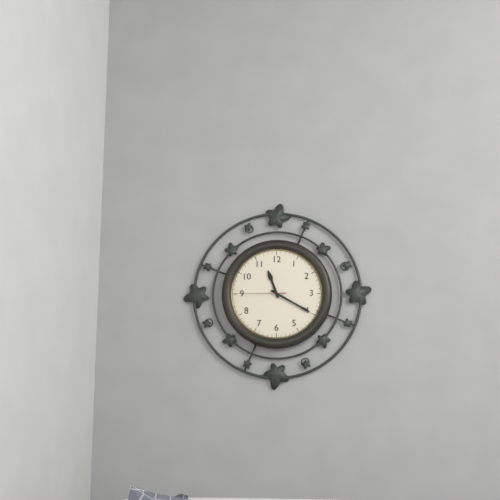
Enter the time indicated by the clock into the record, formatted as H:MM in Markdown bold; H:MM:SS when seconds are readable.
**11:20:45**
